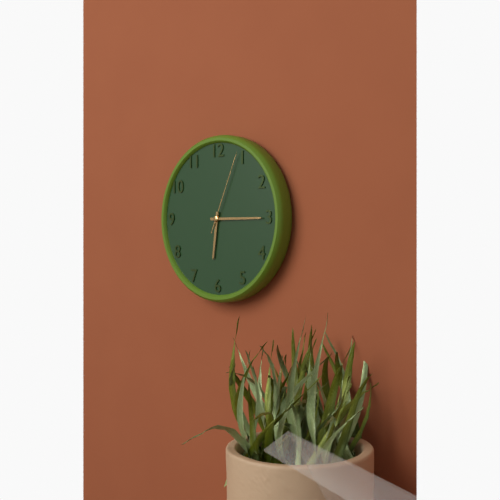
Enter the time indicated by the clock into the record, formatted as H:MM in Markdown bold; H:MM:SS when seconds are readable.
**6:15:04**
